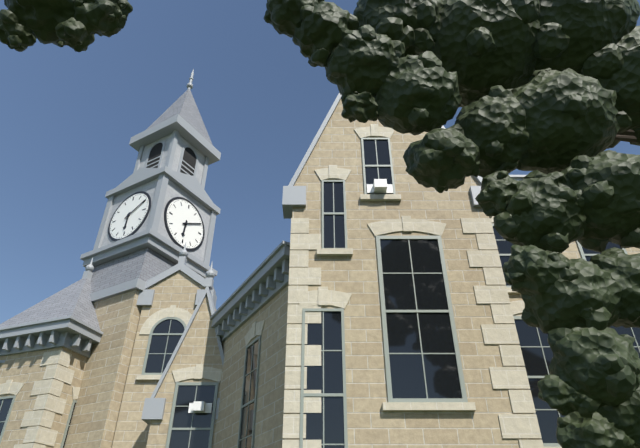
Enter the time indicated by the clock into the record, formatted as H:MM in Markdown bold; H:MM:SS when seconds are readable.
**6:10**
